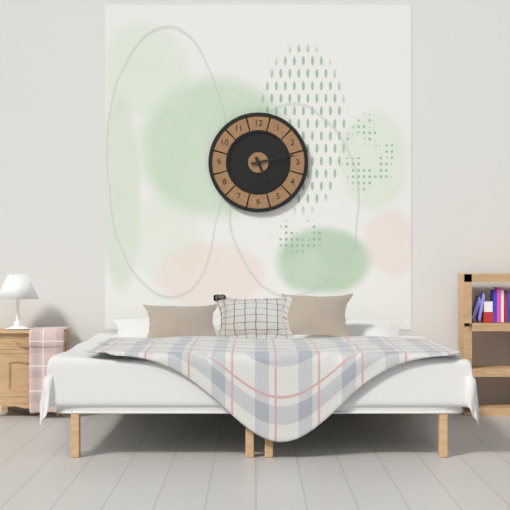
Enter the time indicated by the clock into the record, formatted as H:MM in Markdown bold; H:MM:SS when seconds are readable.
**5:13**
